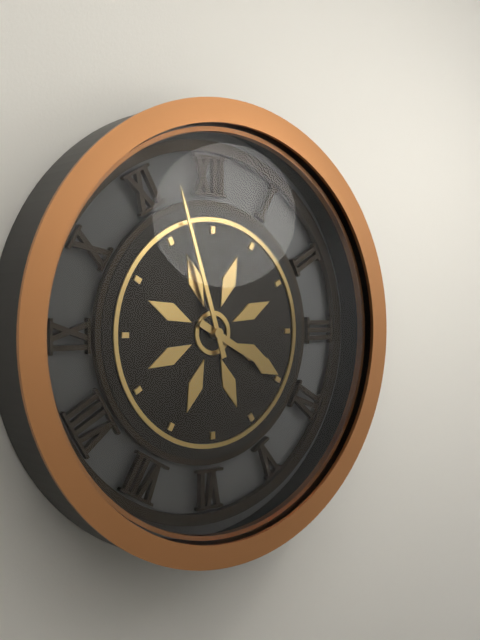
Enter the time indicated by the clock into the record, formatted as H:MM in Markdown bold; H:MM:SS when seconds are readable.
**3:57**
